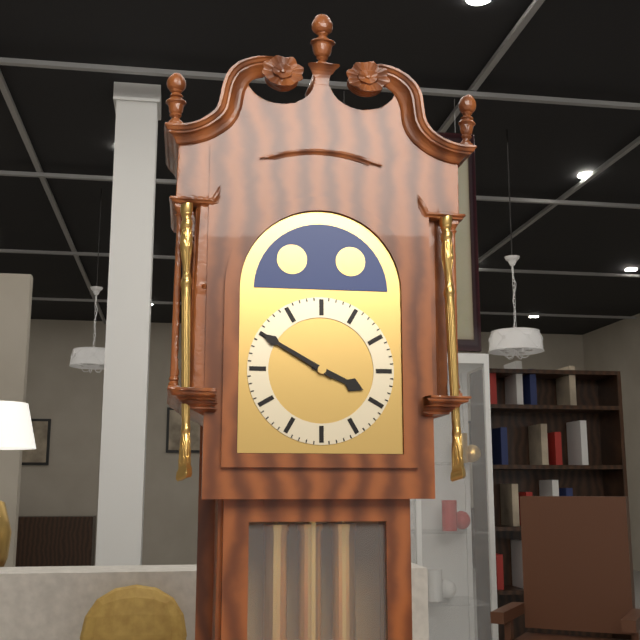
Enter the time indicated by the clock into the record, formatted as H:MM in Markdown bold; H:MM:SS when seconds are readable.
**3:50**
